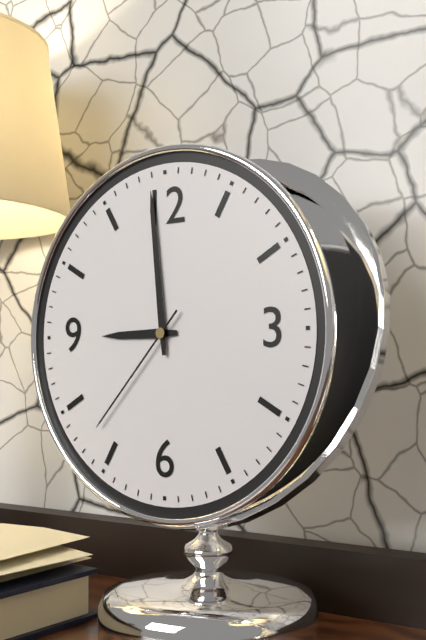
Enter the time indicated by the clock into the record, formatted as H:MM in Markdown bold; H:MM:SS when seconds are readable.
**8:59:37**
